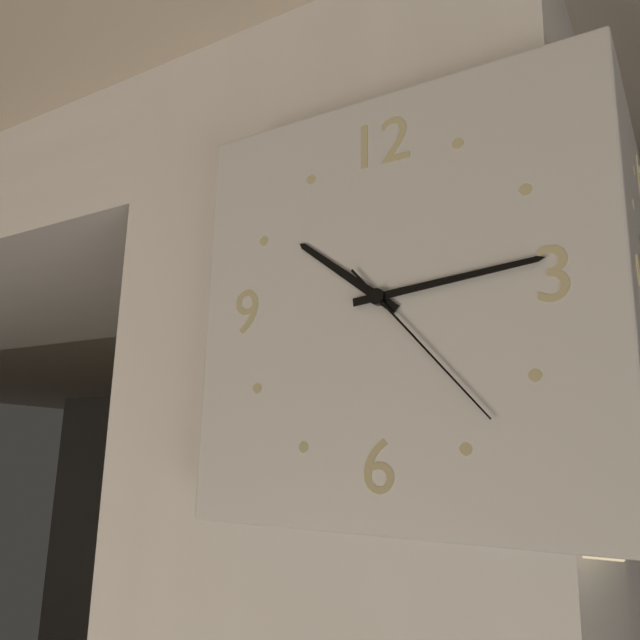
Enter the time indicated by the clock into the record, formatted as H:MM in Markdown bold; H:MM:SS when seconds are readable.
**10:14:23**
